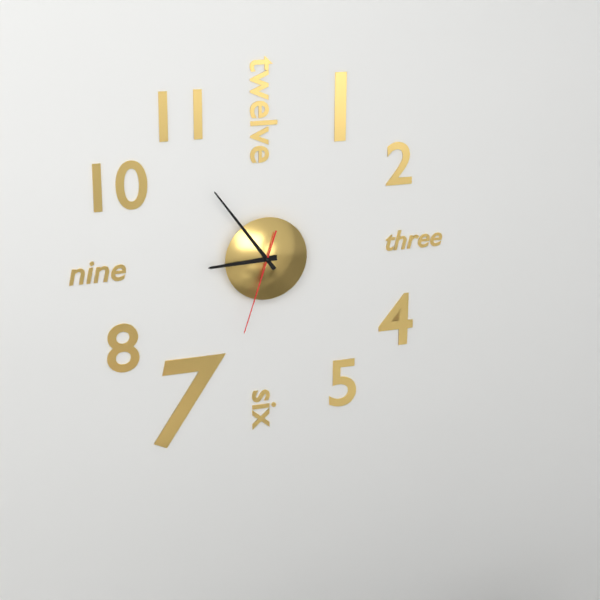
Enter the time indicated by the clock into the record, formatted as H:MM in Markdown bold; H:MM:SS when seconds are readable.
**8:54:33**
